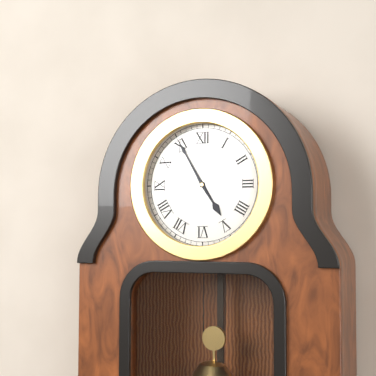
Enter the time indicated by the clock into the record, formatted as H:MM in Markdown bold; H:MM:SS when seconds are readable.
**4:55**
